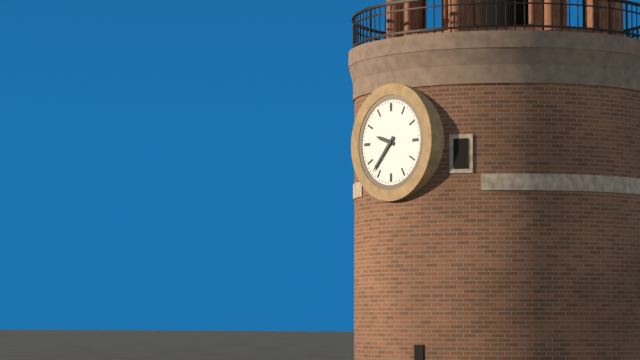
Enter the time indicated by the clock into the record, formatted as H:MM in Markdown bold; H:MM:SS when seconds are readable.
**9:37**
